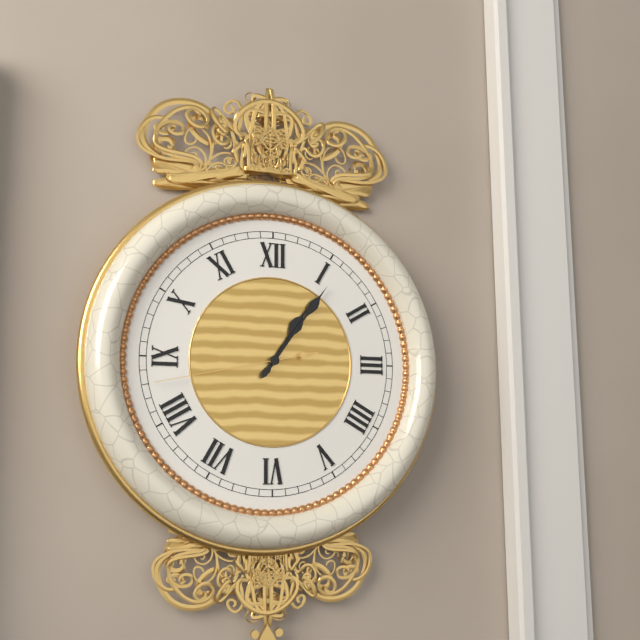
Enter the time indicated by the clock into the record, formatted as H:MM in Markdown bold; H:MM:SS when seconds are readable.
**1:06:43**
